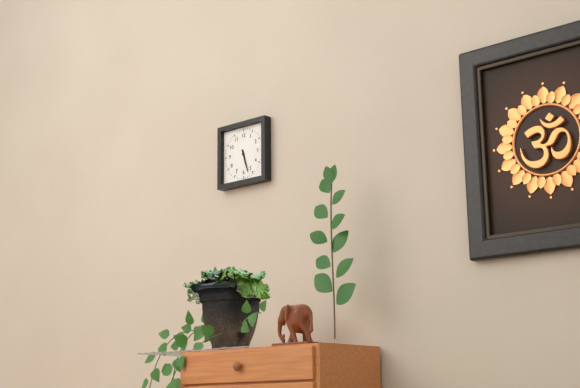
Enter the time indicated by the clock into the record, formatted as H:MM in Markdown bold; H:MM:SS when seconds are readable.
**5:27**
